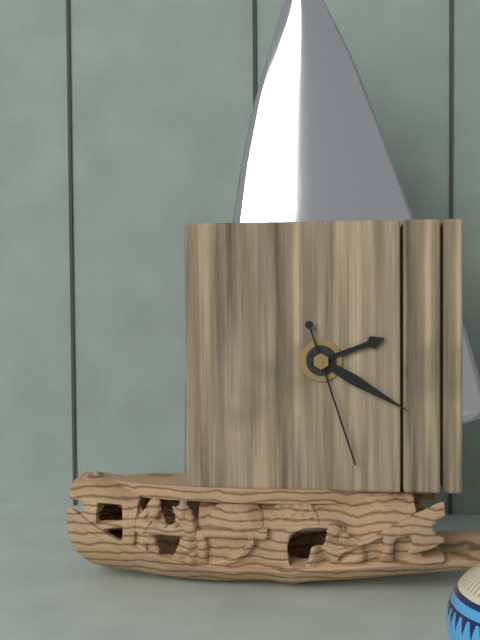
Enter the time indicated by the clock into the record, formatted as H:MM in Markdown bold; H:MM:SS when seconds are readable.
**2:20:27**
